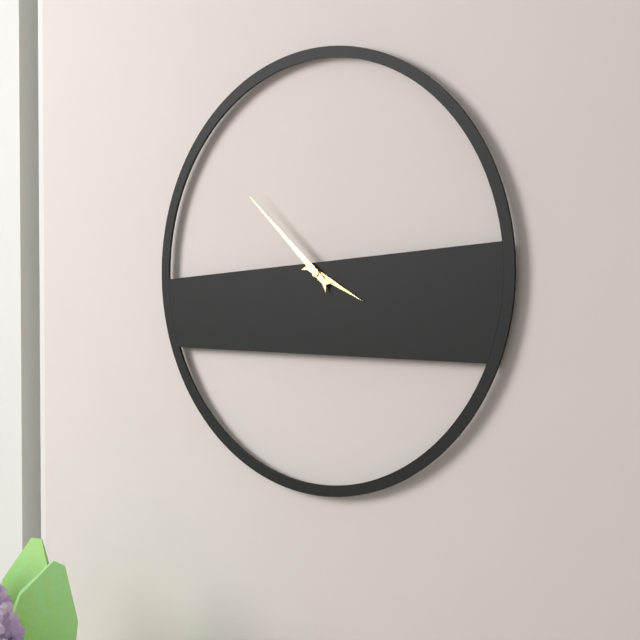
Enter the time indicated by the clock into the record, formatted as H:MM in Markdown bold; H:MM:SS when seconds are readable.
**3:52**
